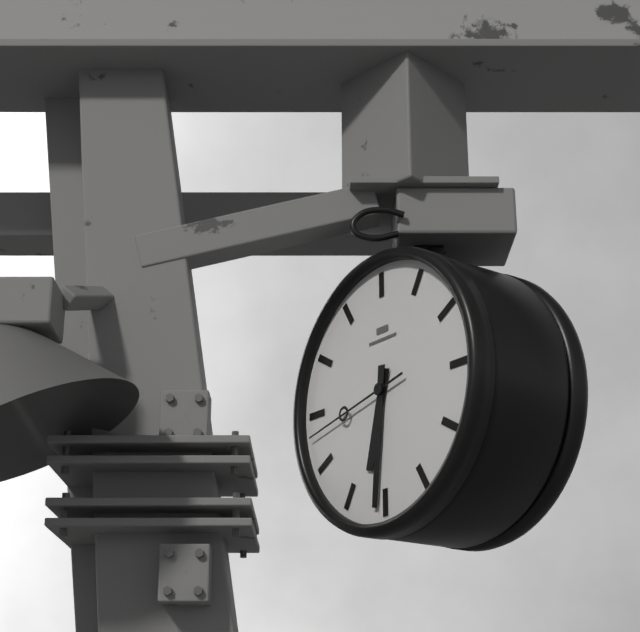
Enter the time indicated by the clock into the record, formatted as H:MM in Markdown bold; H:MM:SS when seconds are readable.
**6:31:43**
